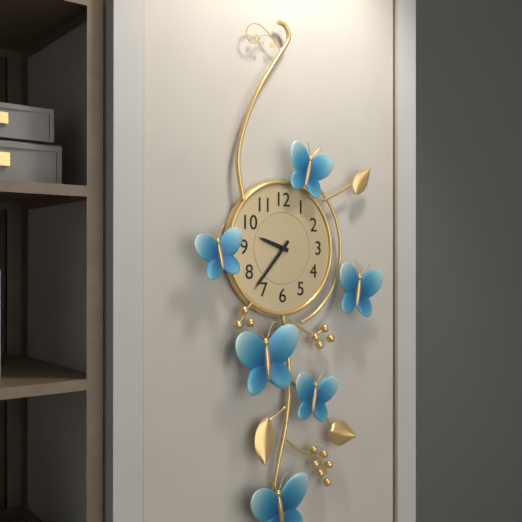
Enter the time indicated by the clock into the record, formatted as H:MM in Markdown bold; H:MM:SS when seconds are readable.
**9:37**
